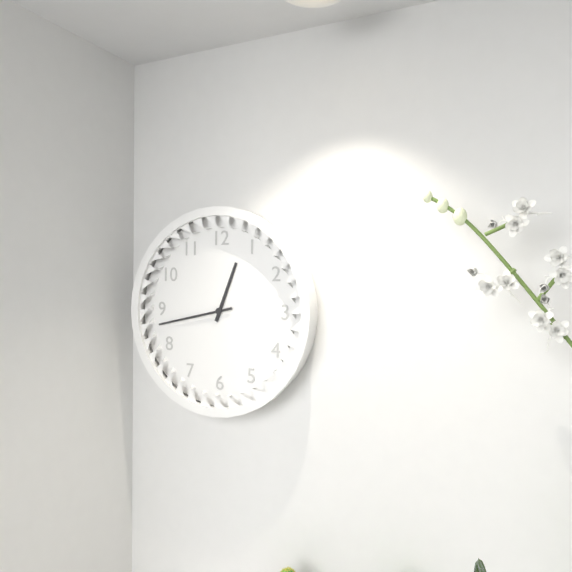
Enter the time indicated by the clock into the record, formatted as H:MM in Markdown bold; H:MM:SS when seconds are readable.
**12:43**
